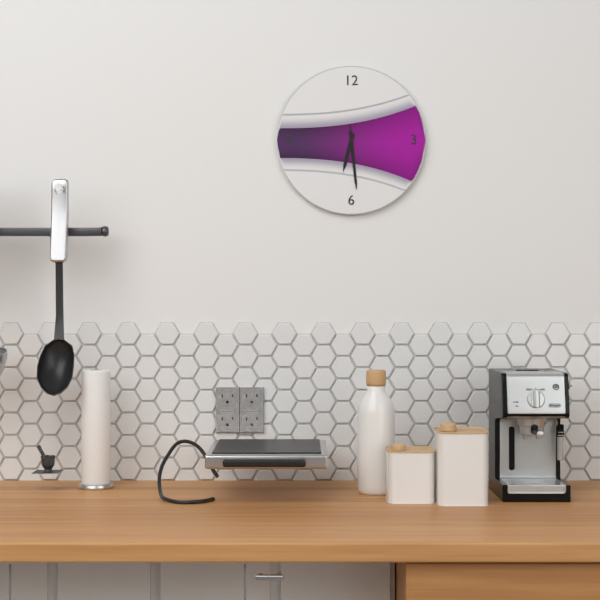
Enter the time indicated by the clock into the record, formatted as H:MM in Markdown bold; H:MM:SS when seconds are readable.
**6:29:29**
